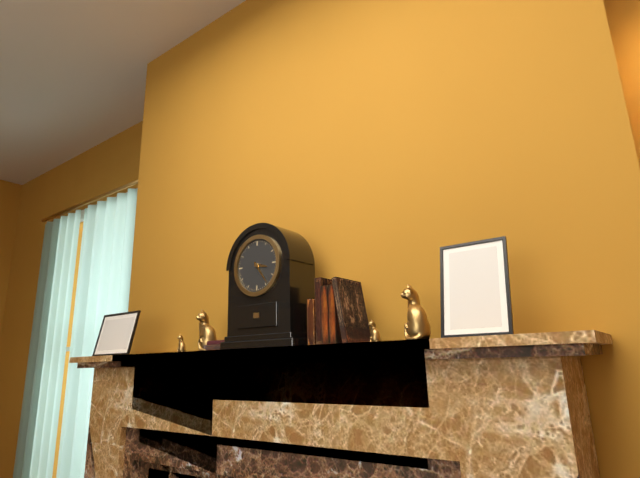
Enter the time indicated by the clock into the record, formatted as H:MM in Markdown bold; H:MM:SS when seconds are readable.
**3:24**
